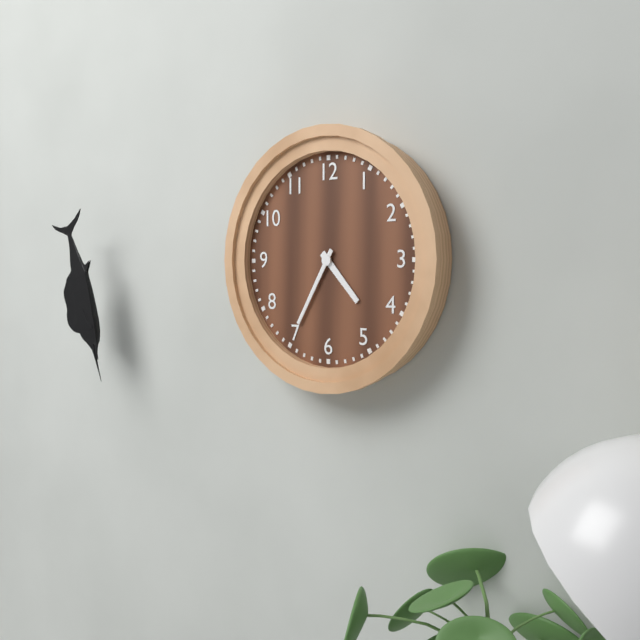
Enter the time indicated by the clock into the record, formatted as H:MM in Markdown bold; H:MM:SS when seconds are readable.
**4:35**
